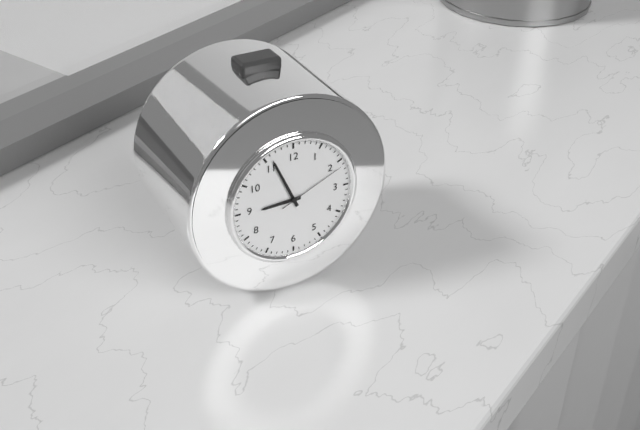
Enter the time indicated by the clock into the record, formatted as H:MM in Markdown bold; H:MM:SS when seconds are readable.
**8:56:11**
